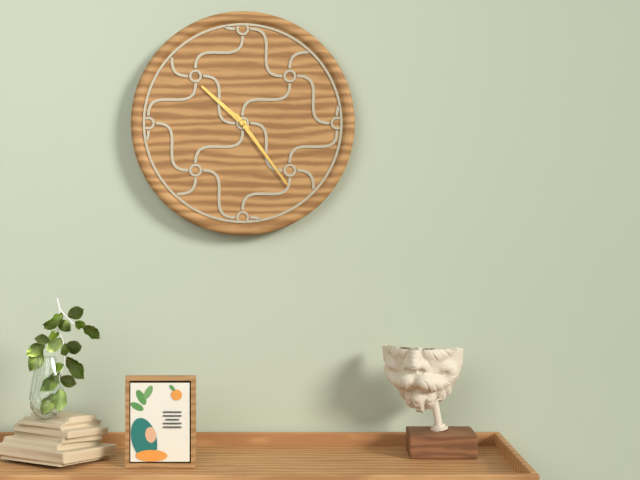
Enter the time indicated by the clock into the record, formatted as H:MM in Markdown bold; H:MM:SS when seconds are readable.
**10:24**
